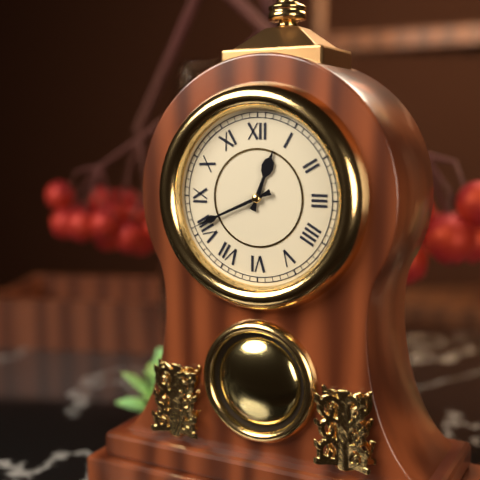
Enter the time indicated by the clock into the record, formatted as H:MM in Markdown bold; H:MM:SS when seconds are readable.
**12:41**
